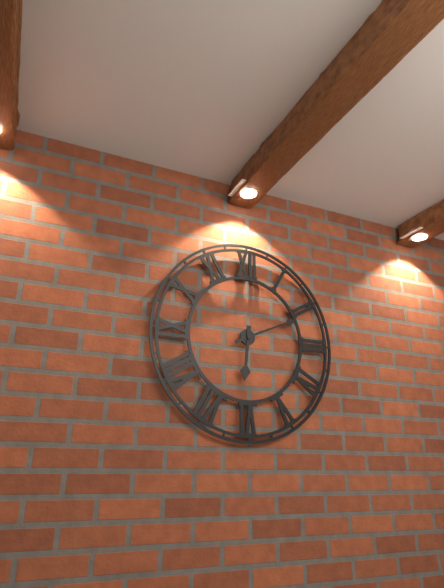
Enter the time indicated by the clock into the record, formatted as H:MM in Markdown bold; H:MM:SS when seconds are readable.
**6:11**
